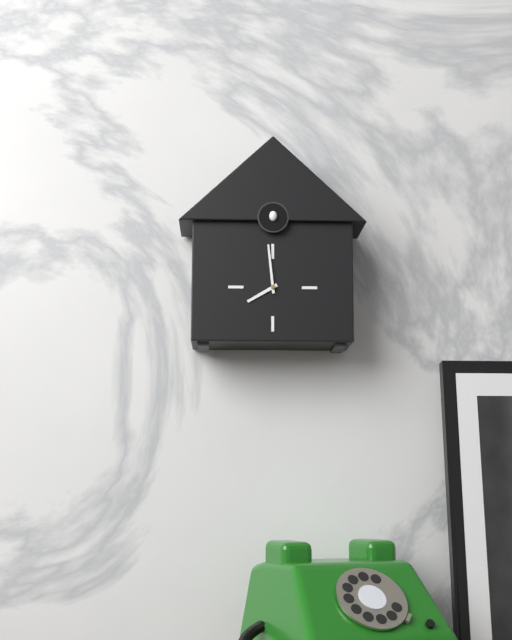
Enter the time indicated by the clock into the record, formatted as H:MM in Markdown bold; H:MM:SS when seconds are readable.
**7:59**
